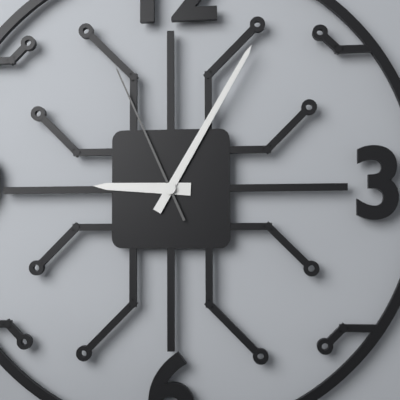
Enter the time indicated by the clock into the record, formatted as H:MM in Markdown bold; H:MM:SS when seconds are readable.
**9:05:56**
